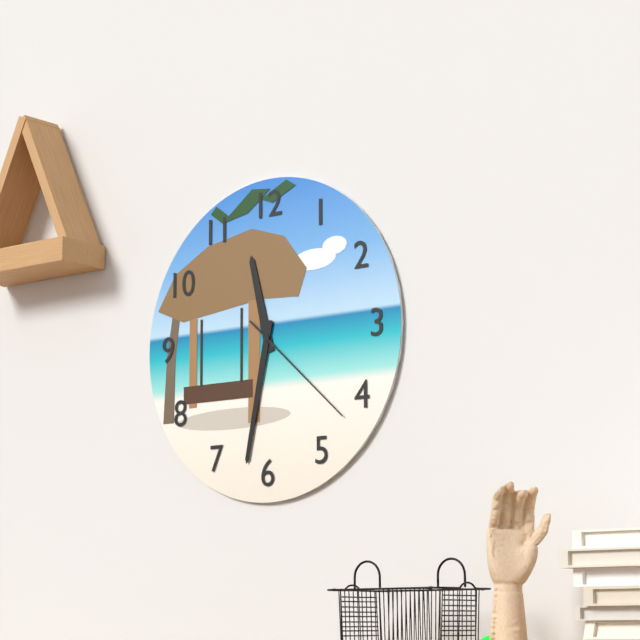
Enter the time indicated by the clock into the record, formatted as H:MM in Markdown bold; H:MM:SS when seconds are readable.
**11:32:22**
